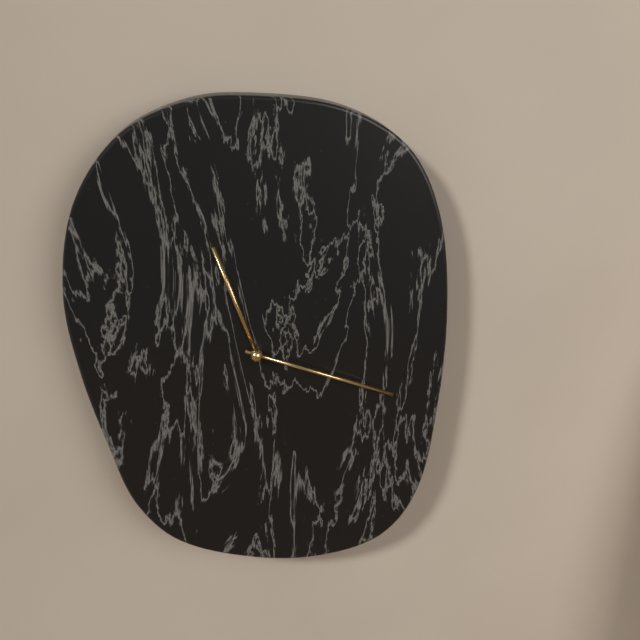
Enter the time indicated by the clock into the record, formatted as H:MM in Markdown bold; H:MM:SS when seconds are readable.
**11:18**
